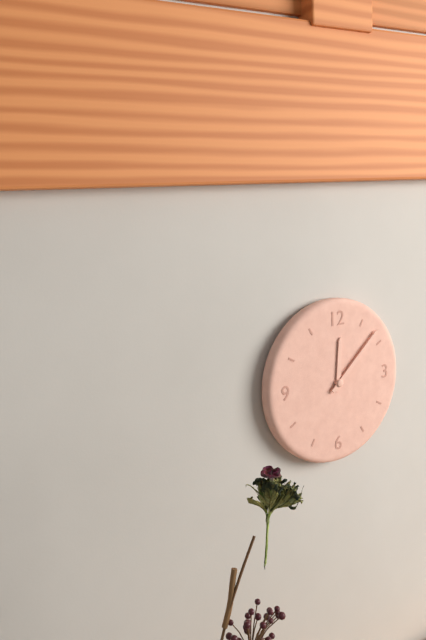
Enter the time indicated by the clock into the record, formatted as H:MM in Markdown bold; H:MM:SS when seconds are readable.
**12:08**
